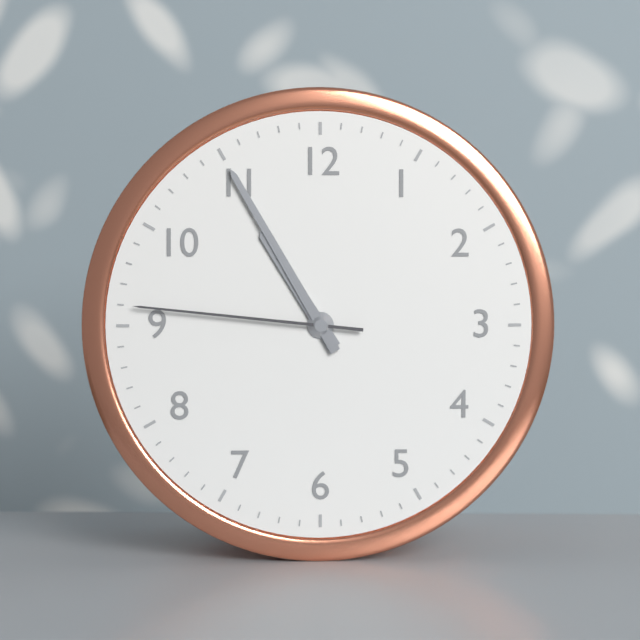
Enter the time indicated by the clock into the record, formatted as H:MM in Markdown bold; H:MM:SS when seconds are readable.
**10:55:46**
